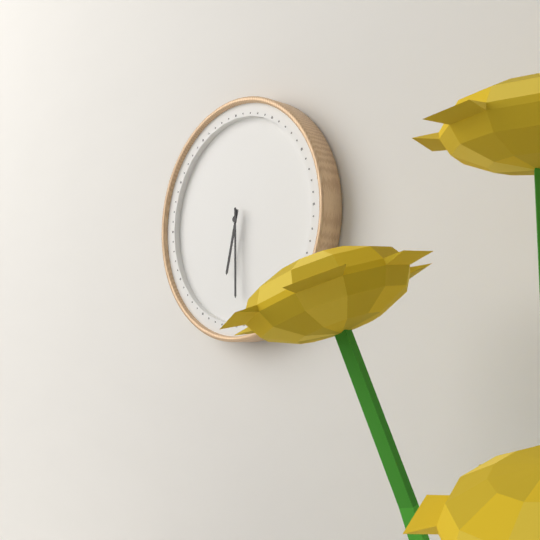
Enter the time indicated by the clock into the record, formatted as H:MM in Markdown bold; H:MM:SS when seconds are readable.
**6:30**
